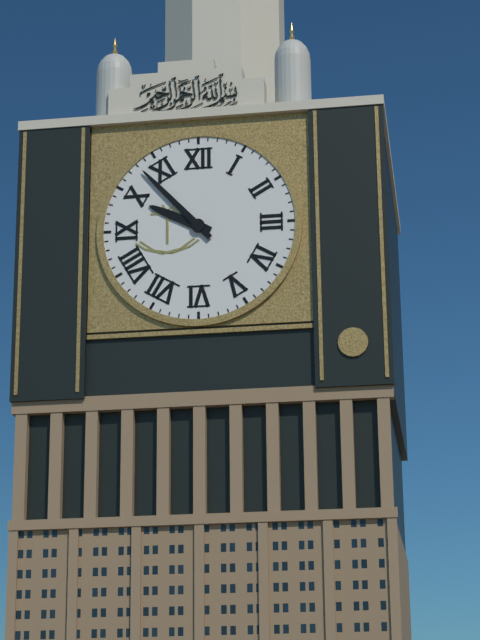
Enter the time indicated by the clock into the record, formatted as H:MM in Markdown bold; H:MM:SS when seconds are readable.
**9:53**
